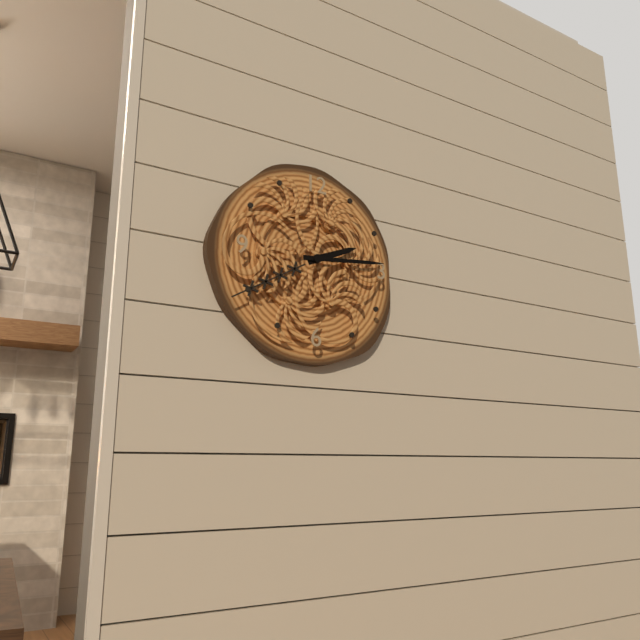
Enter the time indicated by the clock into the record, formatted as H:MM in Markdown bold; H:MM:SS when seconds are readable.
**2:14**
